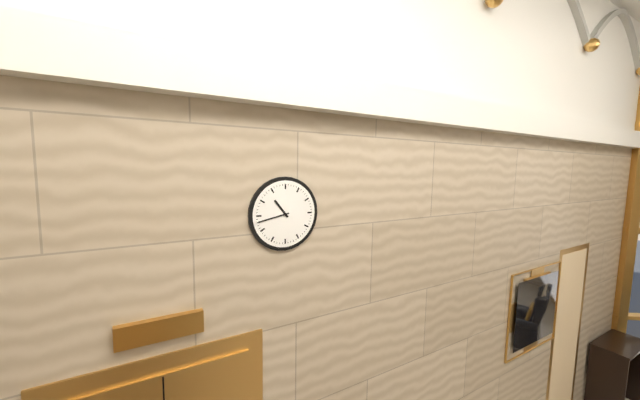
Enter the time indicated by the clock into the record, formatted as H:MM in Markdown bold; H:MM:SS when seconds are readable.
**10:43**
